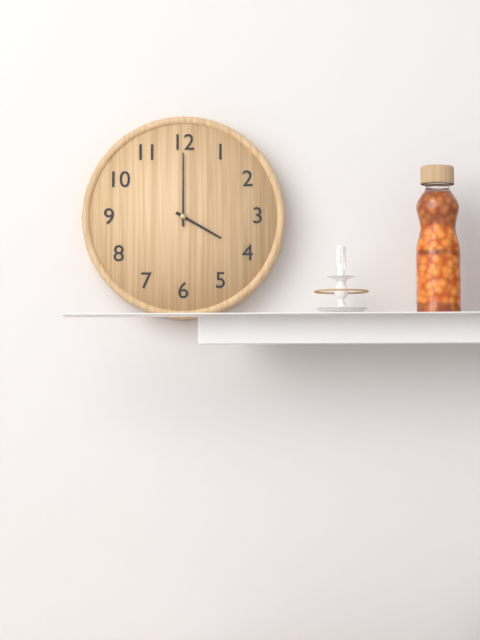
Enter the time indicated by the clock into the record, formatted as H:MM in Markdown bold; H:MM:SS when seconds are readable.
**4:00**
